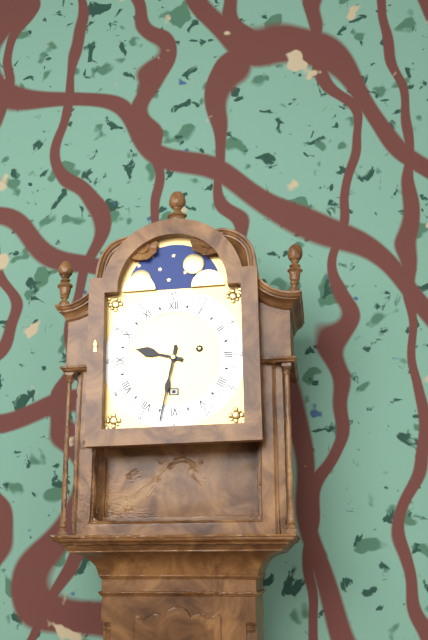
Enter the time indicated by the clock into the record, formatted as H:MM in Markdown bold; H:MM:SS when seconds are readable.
**9:32**
